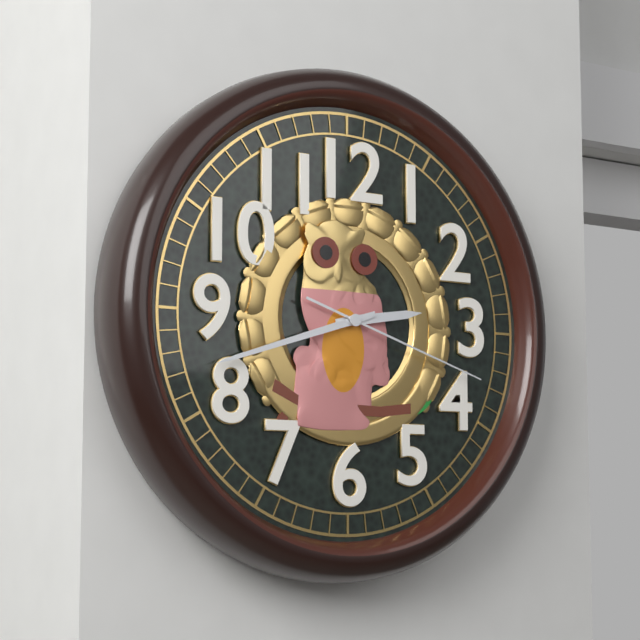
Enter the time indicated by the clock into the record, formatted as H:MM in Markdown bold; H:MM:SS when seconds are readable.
**2:42:18**
